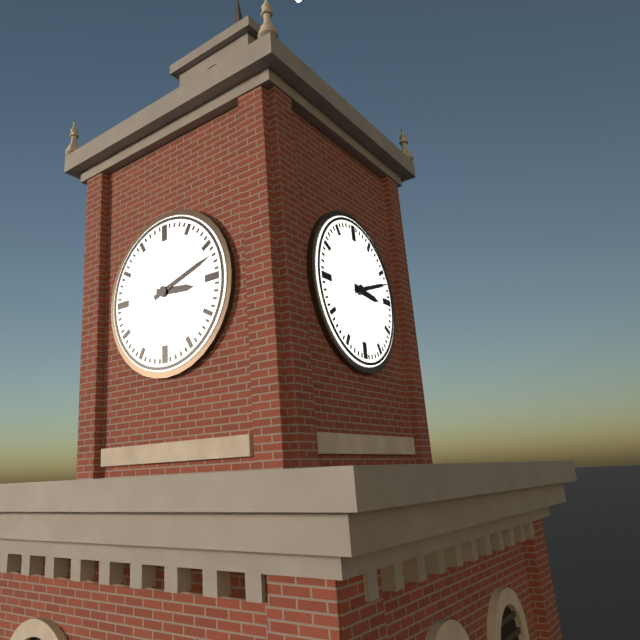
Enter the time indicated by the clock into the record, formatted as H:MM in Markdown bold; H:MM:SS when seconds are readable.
**3:12**
